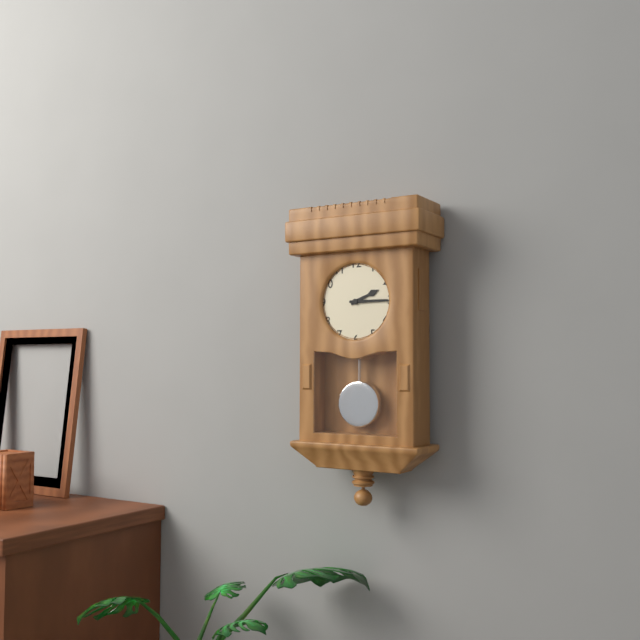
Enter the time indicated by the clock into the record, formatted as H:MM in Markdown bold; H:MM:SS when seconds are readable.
**2:15**
